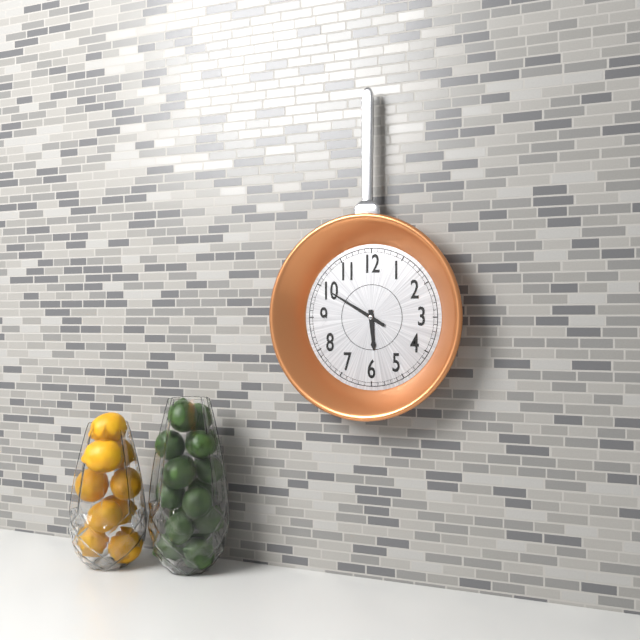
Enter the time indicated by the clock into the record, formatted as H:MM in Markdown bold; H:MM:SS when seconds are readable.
**5:50**
